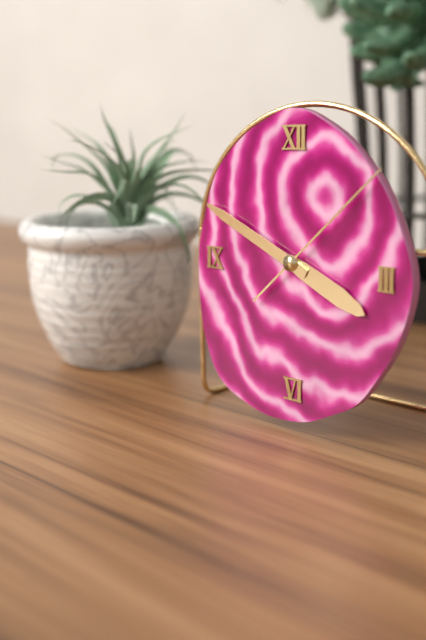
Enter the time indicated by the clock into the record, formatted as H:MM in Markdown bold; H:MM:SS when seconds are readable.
**3:49:08**
